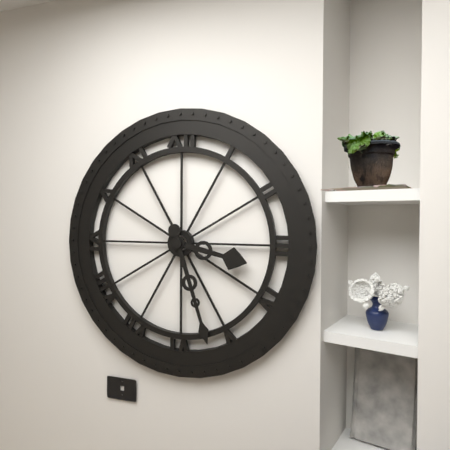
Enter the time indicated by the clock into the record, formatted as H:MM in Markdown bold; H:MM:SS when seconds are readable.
**3:27**
